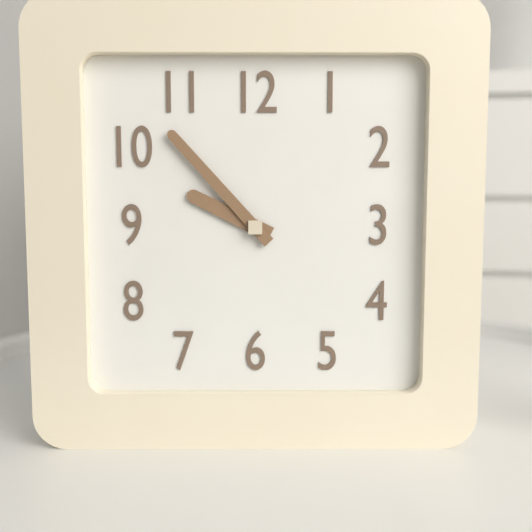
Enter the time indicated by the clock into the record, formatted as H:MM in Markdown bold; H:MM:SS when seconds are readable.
**9:53**
